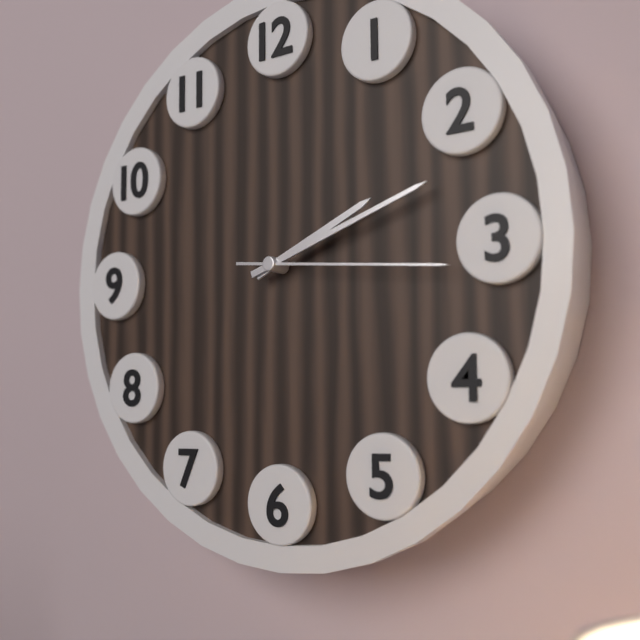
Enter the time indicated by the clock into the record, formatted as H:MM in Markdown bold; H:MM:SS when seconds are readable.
**2:12:16**
